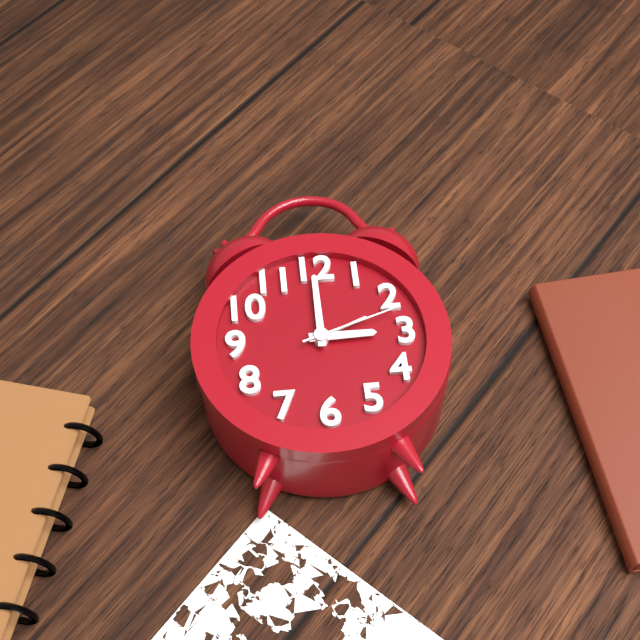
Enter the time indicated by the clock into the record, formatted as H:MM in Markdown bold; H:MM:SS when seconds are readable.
**3:00:12**
